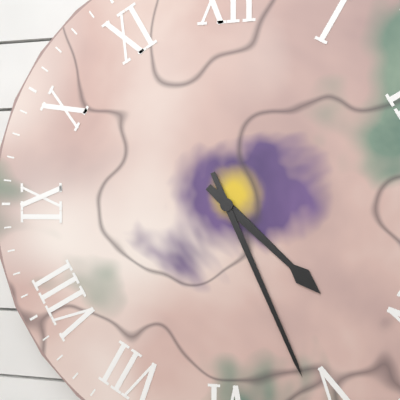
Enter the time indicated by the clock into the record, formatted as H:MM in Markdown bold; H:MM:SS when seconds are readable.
**4:26**
